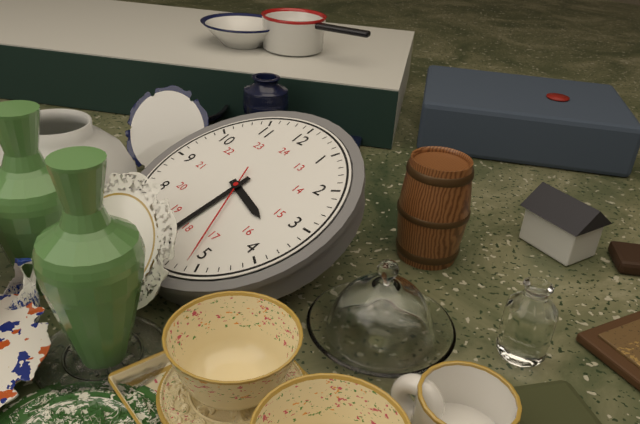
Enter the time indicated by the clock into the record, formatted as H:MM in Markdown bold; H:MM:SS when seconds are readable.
**3:31:26**
